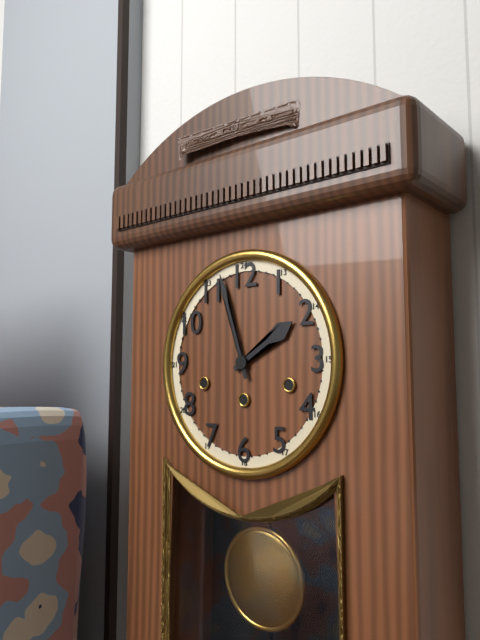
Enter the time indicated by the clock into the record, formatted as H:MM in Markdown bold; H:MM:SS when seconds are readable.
**1:57**
